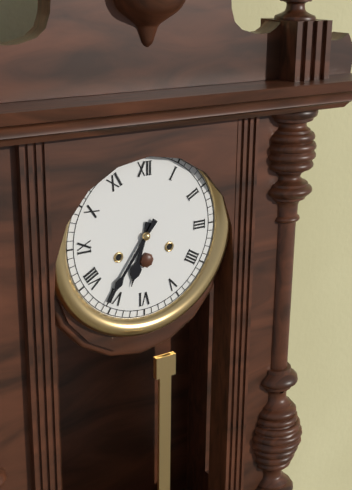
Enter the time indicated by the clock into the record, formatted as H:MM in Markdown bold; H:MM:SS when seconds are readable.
**6:36**
